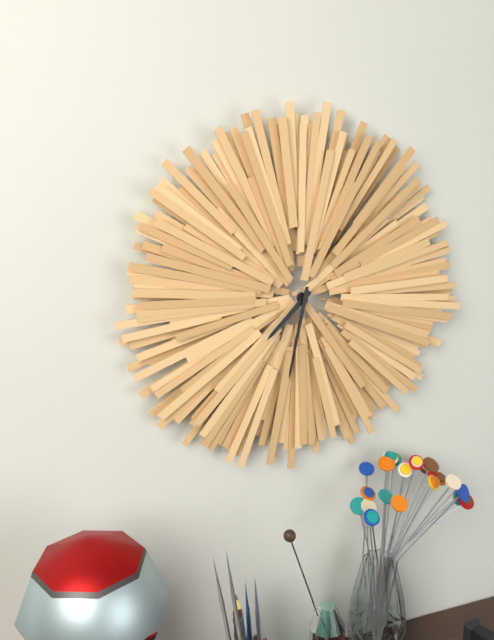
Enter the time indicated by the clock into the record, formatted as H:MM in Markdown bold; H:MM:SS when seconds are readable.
**7:32**
